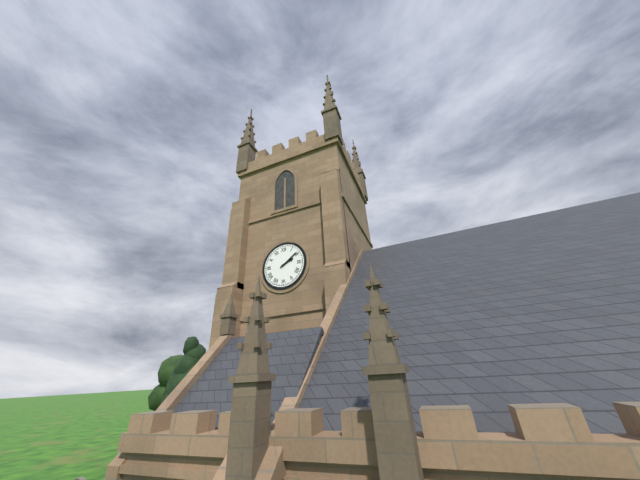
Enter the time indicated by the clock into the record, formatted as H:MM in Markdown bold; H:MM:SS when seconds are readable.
**2:09**
